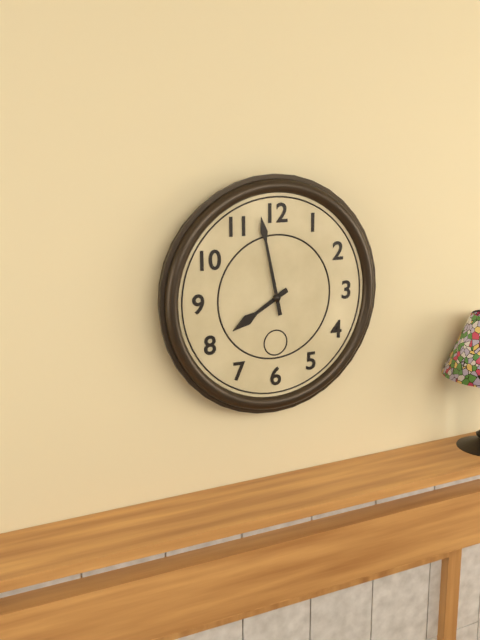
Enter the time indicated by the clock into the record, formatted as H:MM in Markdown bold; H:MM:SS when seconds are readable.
**7:58**
